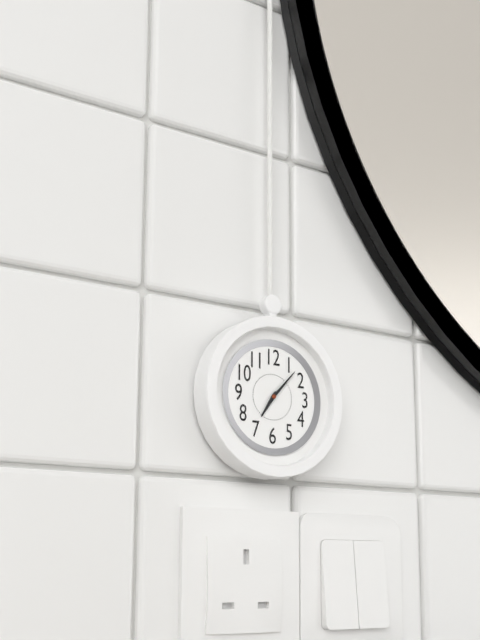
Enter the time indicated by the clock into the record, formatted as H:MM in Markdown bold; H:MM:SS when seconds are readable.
**7:07**
